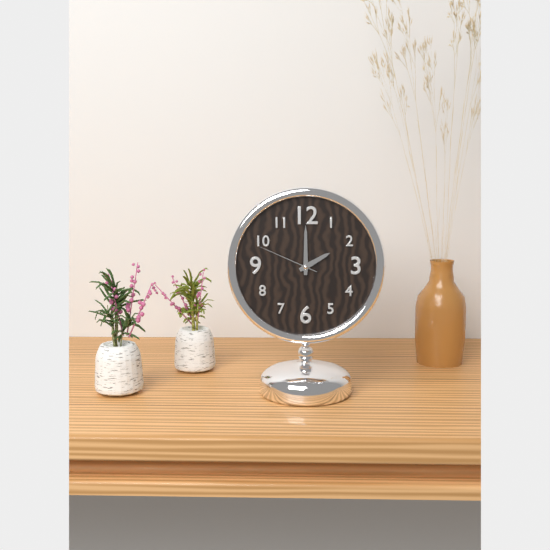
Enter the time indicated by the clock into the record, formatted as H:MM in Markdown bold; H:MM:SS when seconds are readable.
**2:00:49**
